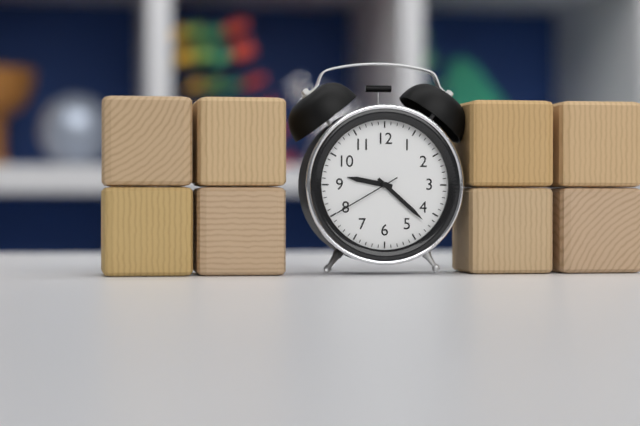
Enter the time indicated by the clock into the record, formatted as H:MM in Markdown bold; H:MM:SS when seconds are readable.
**9:22:40**
